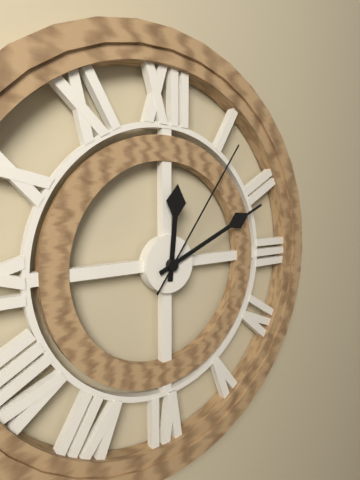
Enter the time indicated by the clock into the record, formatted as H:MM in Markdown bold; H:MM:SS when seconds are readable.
**12:11:06**
